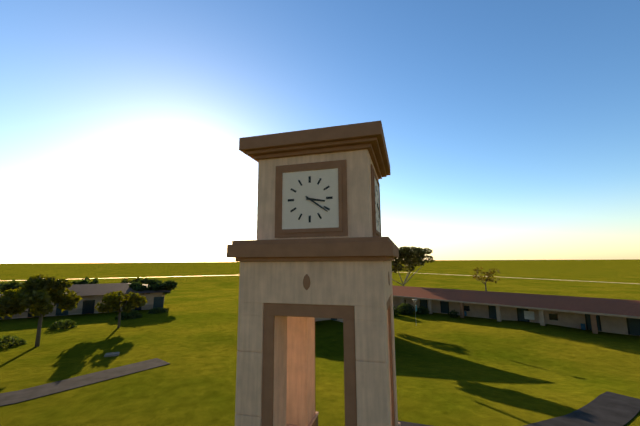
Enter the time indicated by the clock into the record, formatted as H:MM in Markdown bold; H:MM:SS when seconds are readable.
**3:21**
